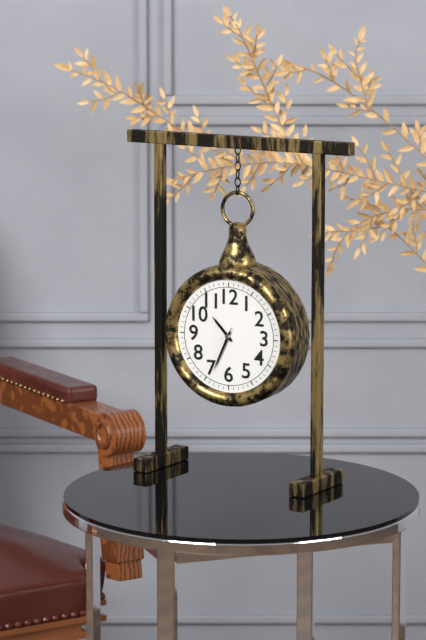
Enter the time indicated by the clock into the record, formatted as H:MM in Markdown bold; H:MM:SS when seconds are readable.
**10:34**
